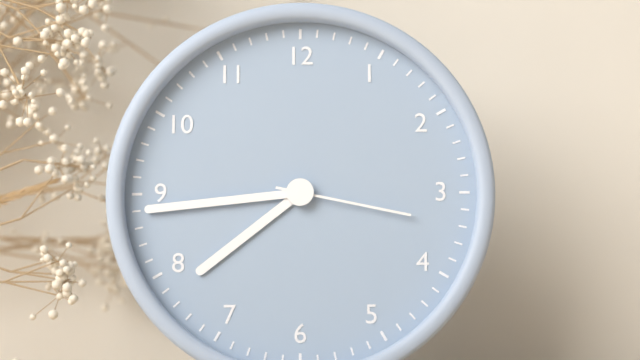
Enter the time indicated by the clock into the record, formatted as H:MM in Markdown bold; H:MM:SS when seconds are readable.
**7:44:17**
